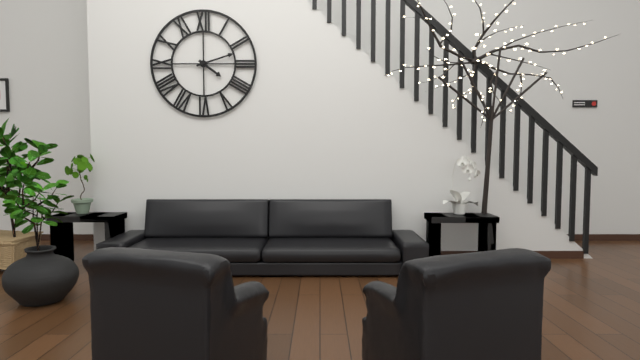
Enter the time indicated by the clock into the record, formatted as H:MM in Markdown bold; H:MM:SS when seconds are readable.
**4:12**
